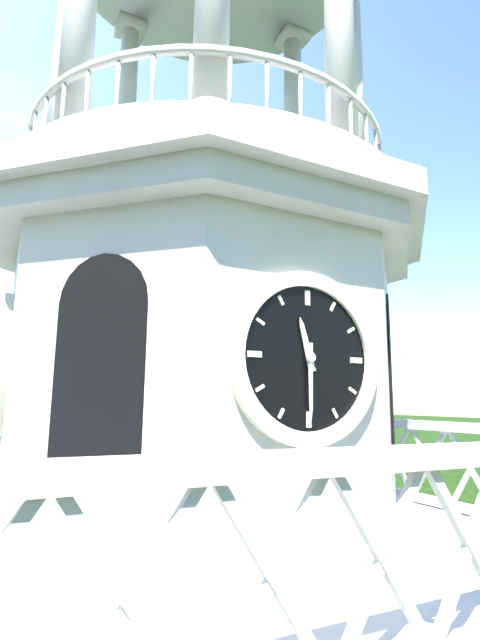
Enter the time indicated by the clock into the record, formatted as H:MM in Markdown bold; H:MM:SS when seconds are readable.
**11:30**
